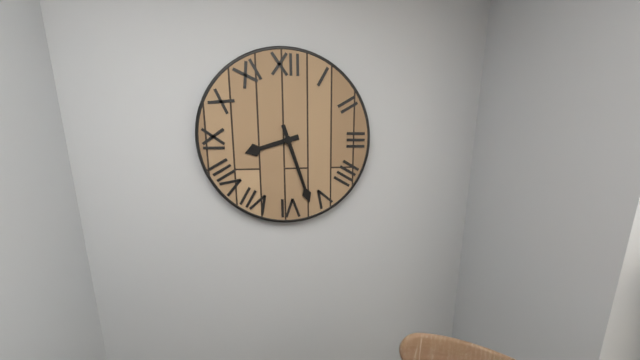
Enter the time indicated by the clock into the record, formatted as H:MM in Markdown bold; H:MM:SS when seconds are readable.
**8:27**
